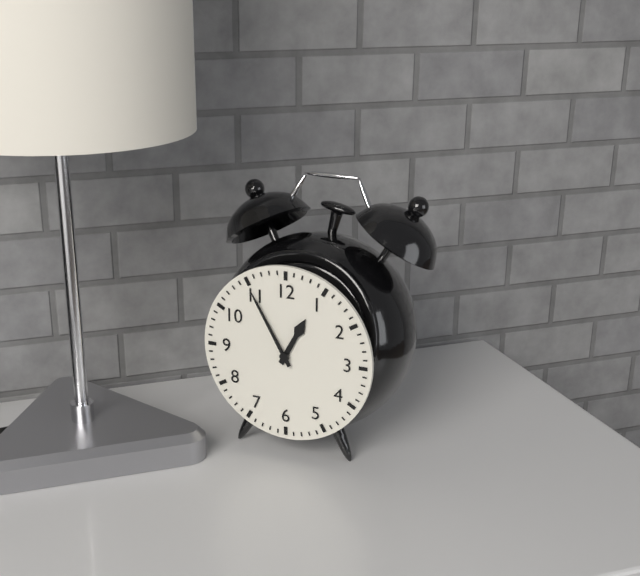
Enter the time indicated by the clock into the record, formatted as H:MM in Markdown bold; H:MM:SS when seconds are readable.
**12:55**
